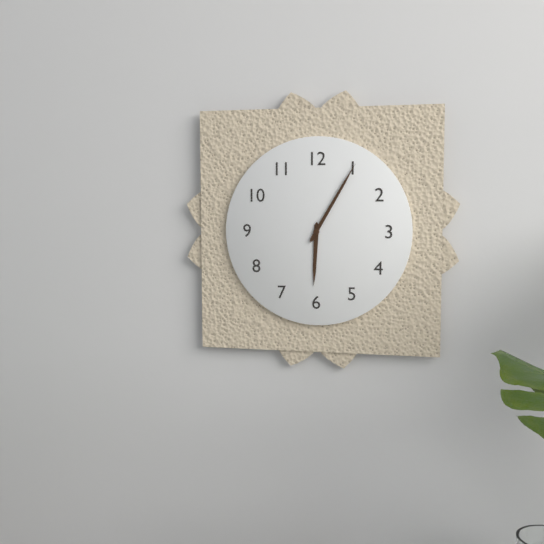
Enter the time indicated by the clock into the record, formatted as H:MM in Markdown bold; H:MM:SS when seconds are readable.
**6:05**
